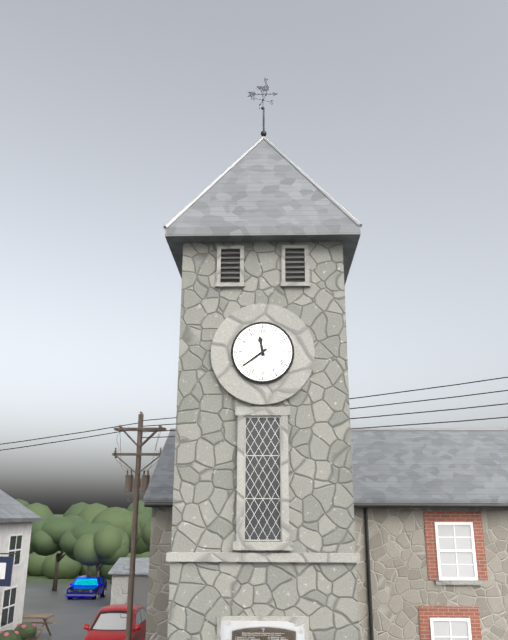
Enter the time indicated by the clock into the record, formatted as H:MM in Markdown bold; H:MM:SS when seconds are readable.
**11:39**
